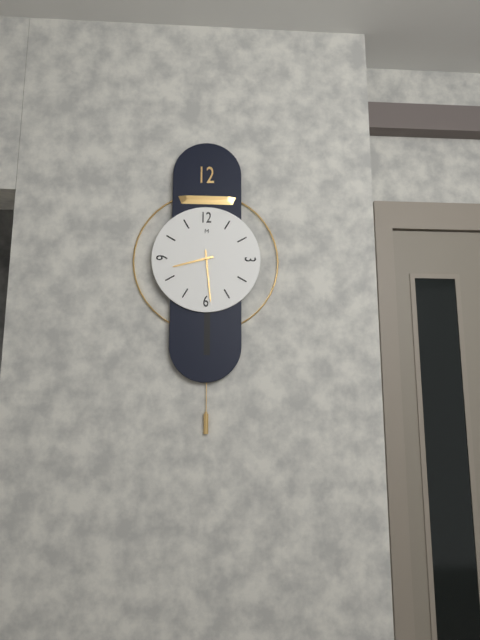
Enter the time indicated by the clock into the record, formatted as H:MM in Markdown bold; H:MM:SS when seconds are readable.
**8:29**
